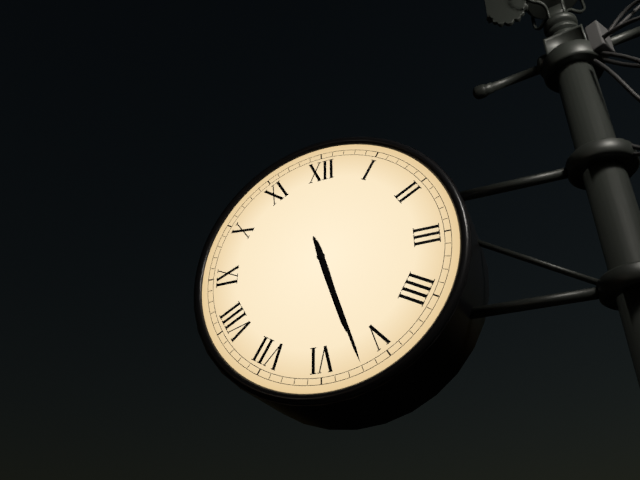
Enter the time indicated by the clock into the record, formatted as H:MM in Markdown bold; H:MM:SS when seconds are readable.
**5:27**
